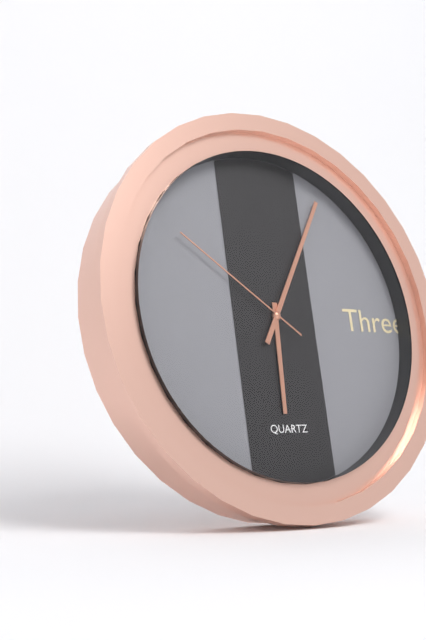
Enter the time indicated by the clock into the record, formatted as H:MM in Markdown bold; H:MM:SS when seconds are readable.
**6:05:51**
